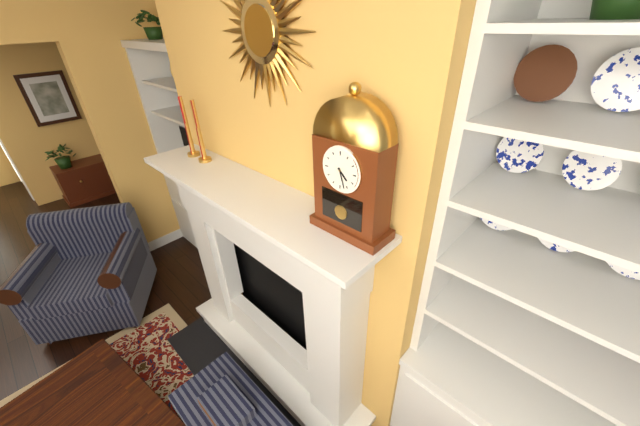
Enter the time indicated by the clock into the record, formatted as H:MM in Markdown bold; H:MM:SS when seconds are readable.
**4:27**
